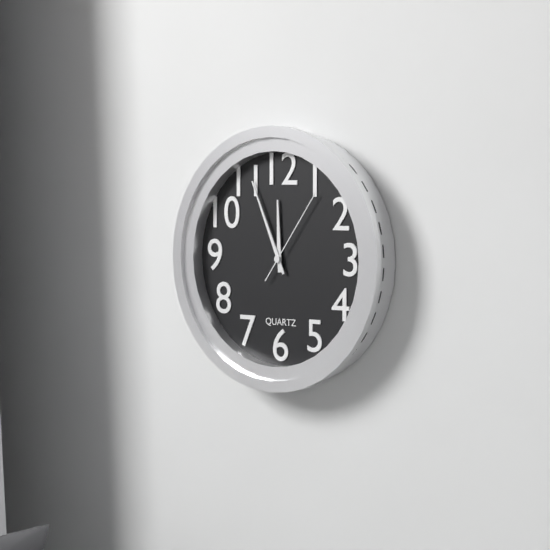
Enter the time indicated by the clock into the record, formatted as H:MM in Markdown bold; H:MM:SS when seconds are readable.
**11:56:06**
